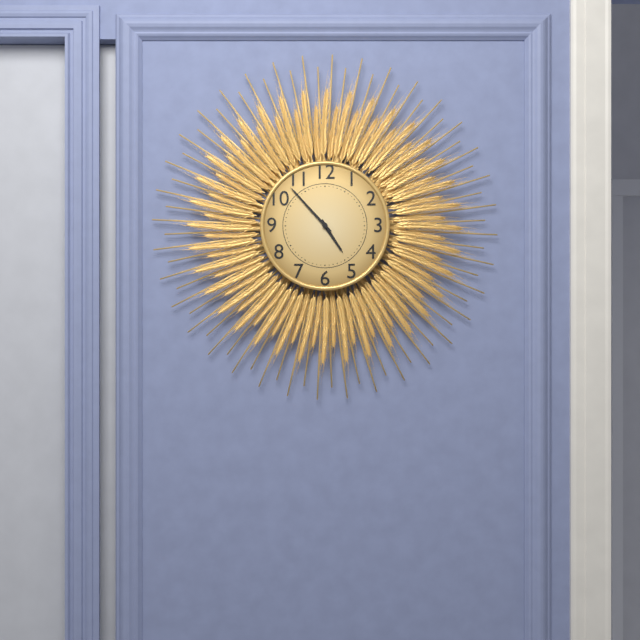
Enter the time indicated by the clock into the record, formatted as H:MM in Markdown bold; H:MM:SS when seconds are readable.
**4:53**
